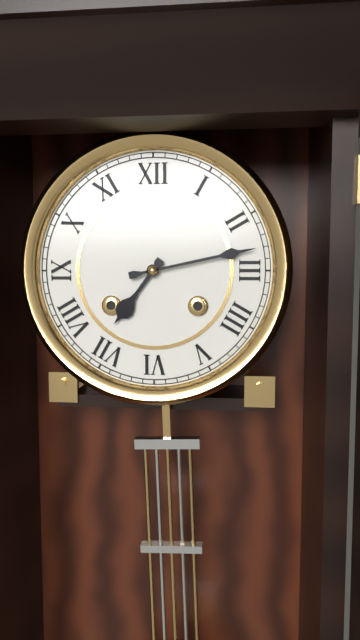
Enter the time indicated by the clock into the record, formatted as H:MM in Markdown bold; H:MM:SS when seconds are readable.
**7:13**
